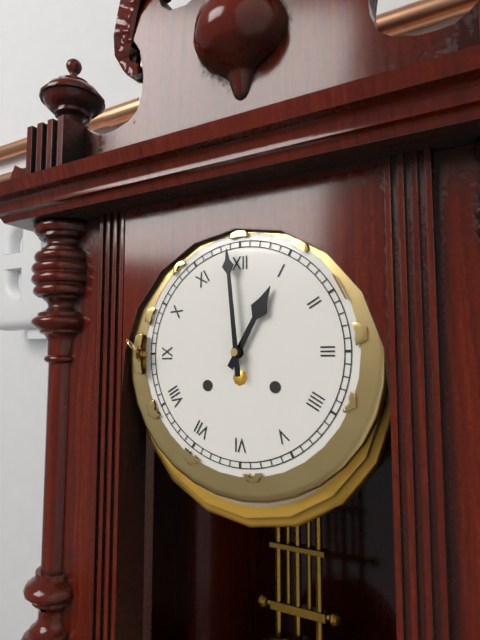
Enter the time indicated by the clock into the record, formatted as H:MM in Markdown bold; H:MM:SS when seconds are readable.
**12:59**
